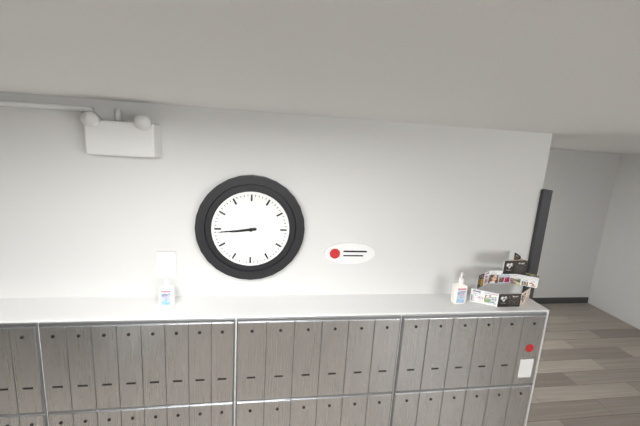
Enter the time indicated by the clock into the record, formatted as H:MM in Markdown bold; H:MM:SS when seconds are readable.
**8:44**
